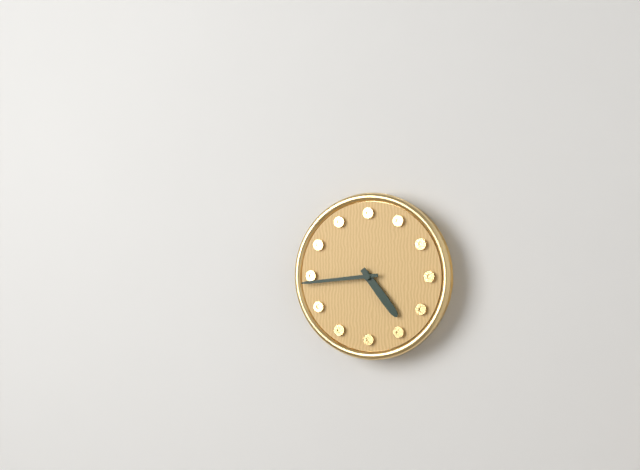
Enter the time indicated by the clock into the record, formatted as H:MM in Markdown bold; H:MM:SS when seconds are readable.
**4:44**
